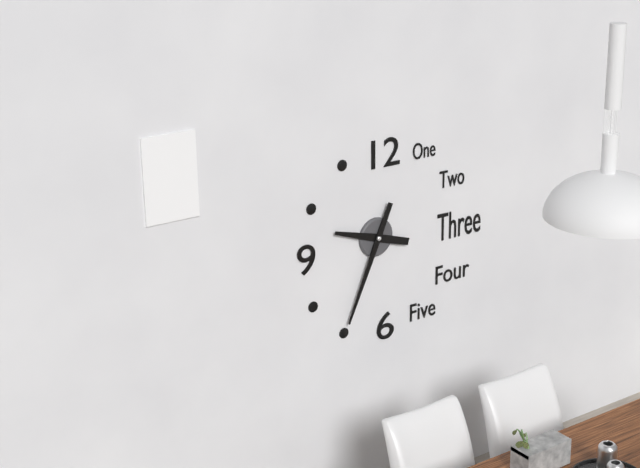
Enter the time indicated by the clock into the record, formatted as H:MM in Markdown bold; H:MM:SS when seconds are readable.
**9:34**
